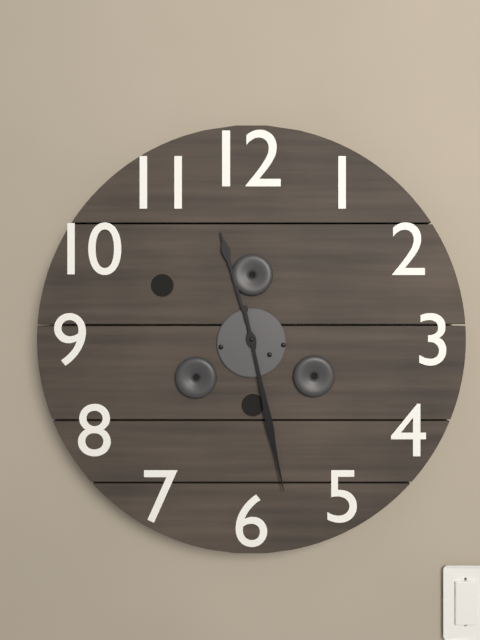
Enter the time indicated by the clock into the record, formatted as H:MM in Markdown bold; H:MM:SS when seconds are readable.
**11:28**
